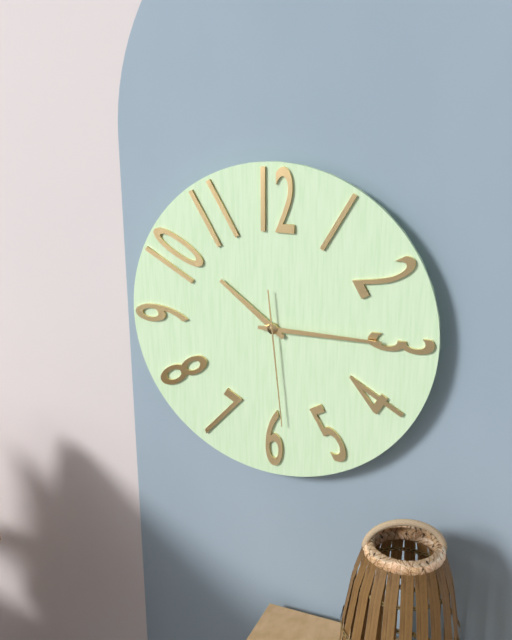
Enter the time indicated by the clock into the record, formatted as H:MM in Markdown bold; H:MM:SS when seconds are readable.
**10:15:29**
